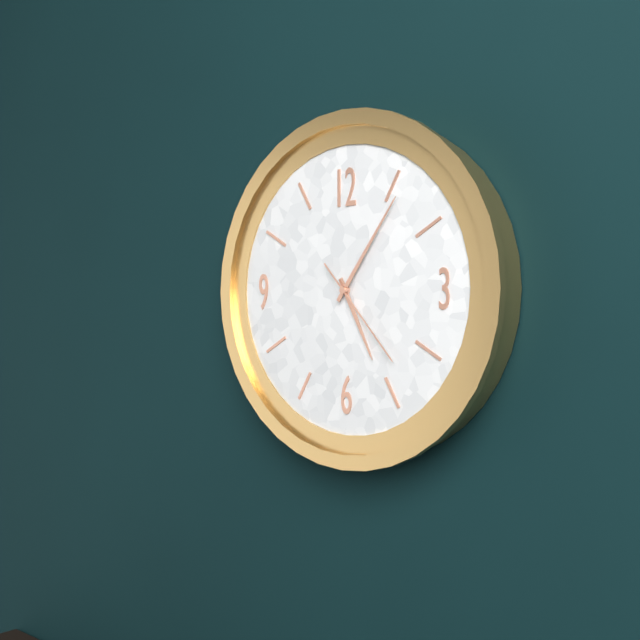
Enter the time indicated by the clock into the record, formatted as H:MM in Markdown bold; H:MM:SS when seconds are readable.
**5:06:23**
